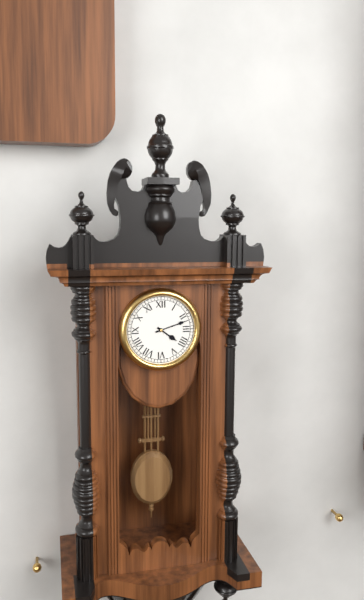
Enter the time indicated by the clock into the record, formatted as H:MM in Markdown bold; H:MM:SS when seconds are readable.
**4:12**
